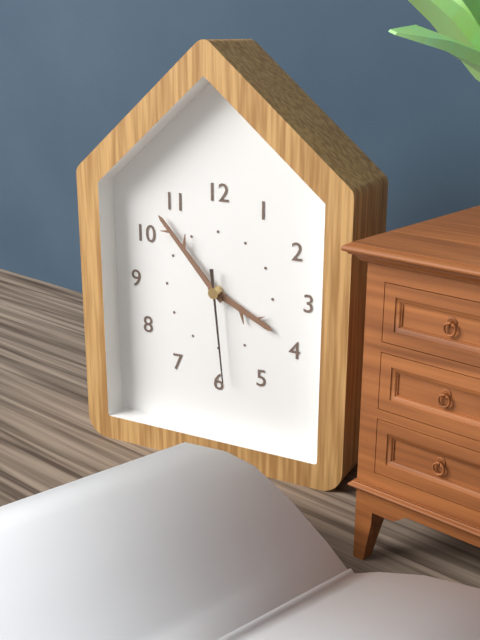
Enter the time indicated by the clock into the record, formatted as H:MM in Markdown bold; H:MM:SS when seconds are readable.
**3:53:29**
